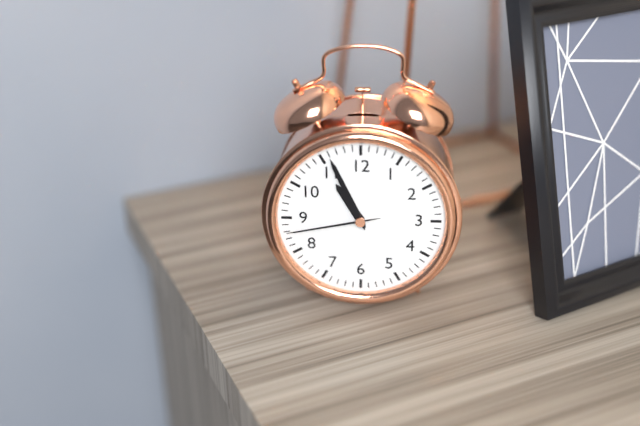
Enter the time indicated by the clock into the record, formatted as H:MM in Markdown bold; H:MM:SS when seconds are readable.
**10:56:43**
